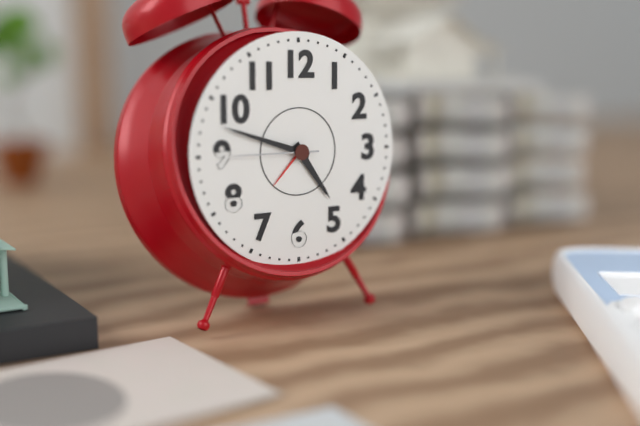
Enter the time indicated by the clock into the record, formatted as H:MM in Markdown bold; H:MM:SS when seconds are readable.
**4:48:45**
